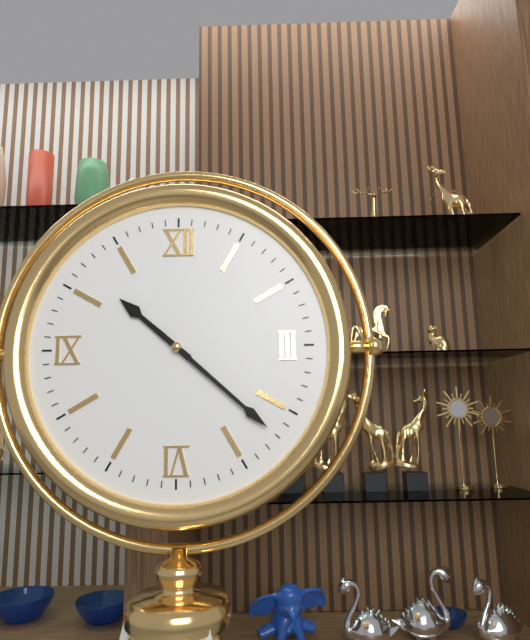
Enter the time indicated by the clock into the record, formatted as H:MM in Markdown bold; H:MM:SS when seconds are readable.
**10:22**
